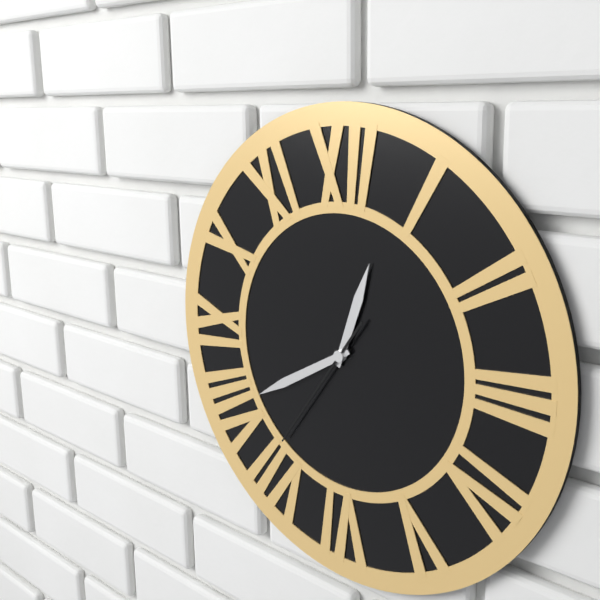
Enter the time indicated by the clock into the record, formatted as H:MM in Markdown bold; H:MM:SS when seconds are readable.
**12:40:36**
